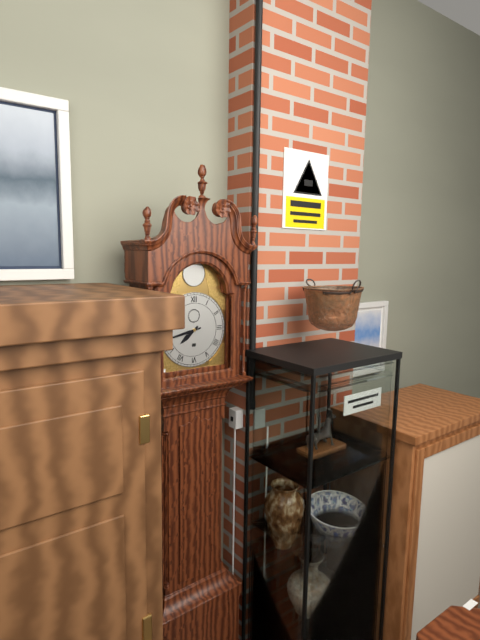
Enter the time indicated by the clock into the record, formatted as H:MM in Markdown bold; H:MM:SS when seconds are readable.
**7:43**
